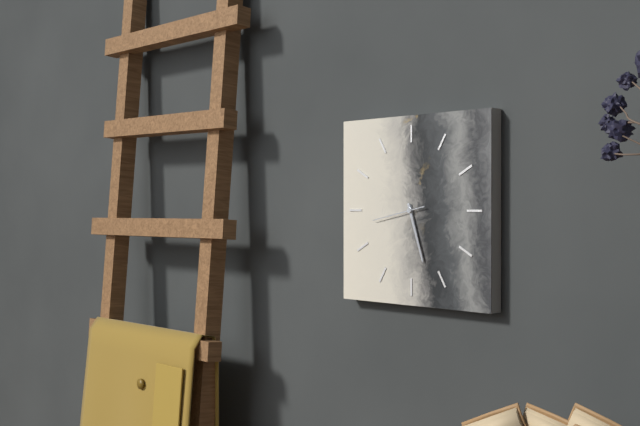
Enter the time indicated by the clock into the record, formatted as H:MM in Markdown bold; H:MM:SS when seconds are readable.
**5:27**
